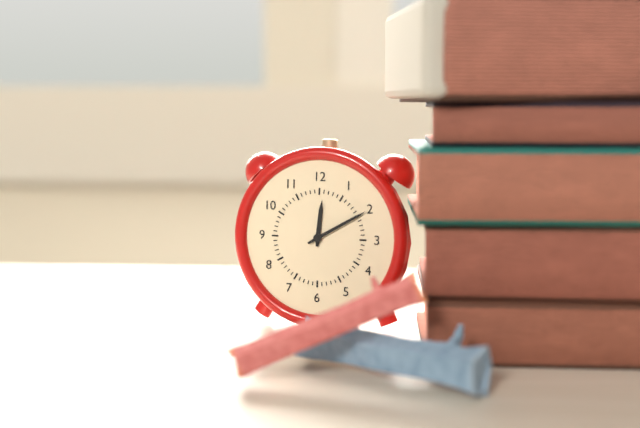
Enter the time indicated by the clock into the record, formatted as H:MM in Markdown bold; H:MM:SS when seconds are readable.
**12:10**
